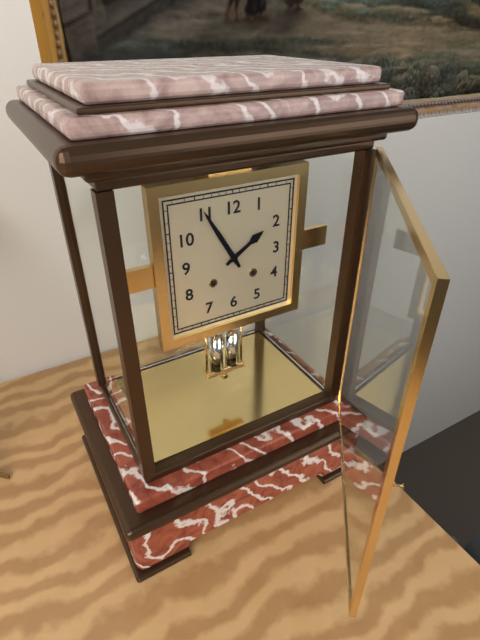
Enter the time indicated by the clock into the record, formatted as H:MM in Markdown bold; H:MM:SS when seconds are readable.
**1:55**
